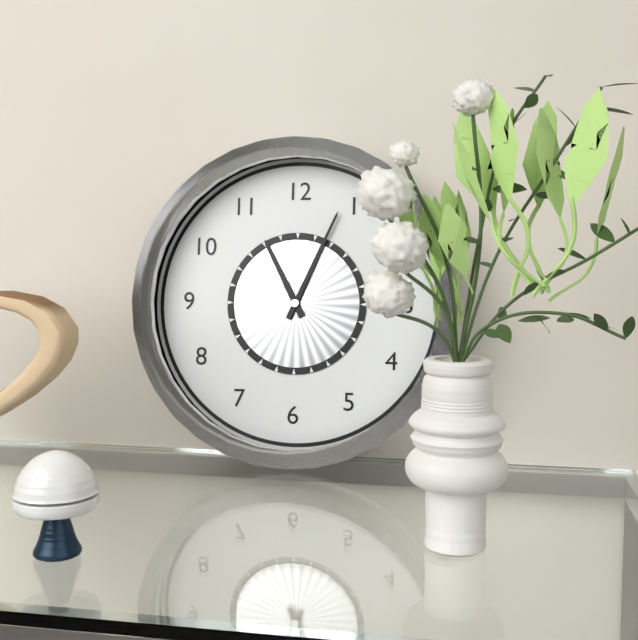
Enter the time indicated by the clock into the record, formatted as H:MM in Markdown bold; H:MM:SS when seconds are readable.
**11:04**
